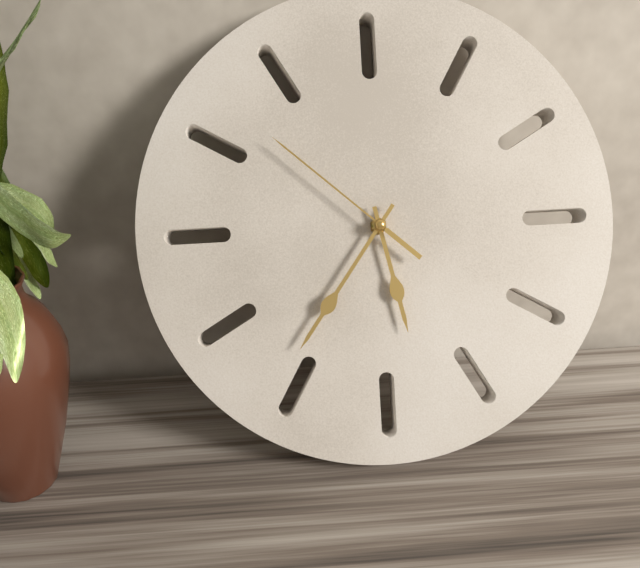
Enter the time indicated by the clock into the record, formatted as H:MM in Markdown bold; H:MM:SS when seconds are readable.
**5:36:52**
